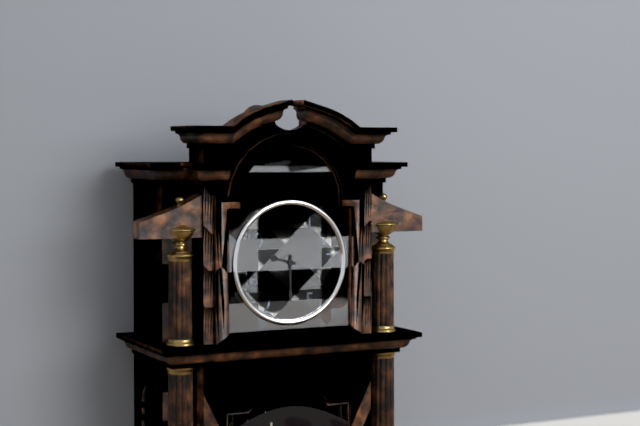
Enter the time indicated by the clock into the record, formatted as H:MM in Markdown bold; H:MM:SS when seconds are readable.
**9:30**
